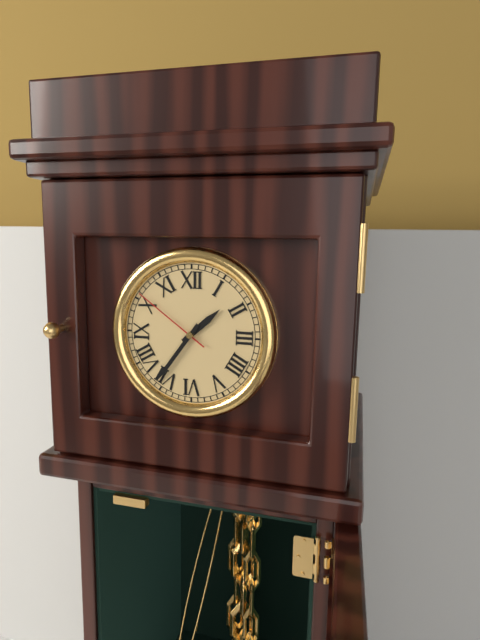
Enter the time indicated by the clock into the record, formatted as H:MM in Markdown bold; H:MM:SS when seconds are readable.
**1:36:51**
